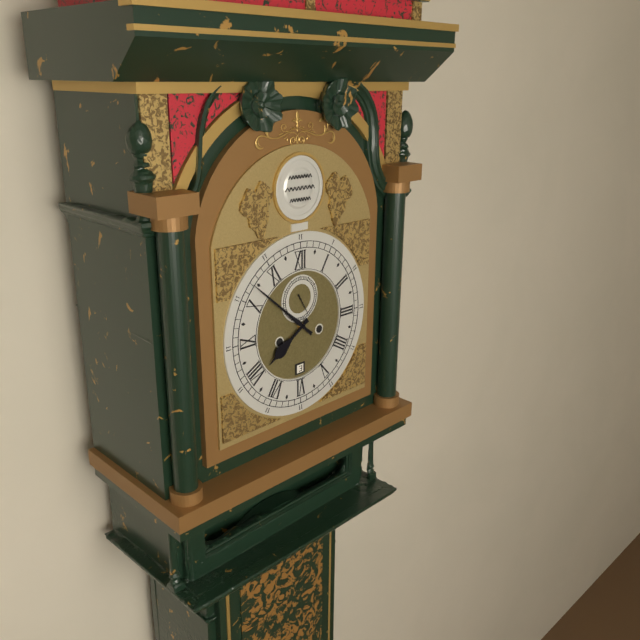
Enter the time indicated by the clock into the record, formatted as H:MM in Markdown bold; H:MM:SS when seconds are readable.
**7:52**
